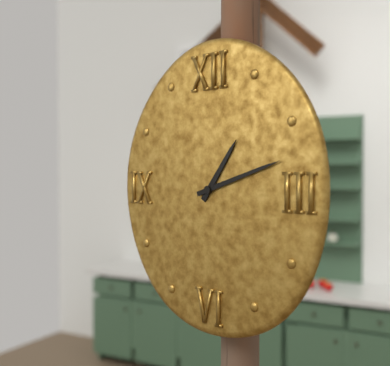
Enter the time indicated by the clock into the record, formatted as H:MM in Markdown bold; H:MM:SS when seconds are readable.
**1:12**
